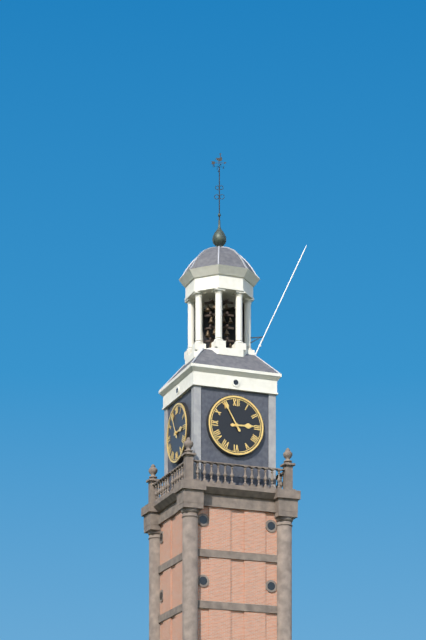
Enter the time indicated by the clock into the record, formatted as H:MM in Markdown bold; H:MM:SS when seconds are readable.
**2:55**
